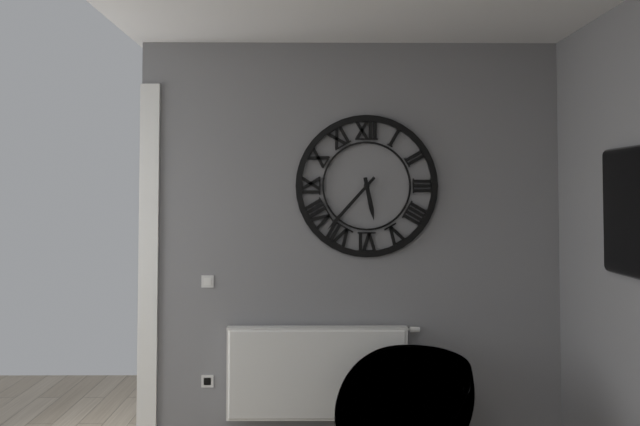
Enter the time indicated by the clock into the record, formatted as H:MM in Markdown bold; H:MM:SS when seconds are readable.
**5:37**
